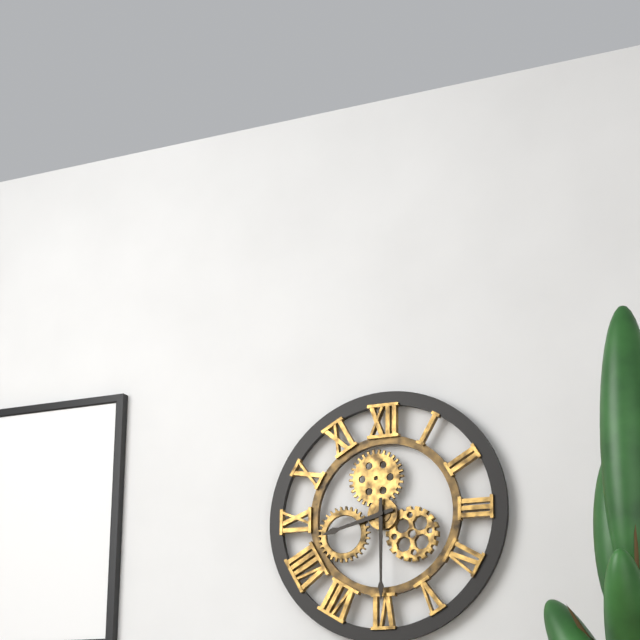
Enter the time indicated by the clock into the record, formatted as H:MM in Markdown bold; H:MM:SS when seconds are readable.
**8:30**
